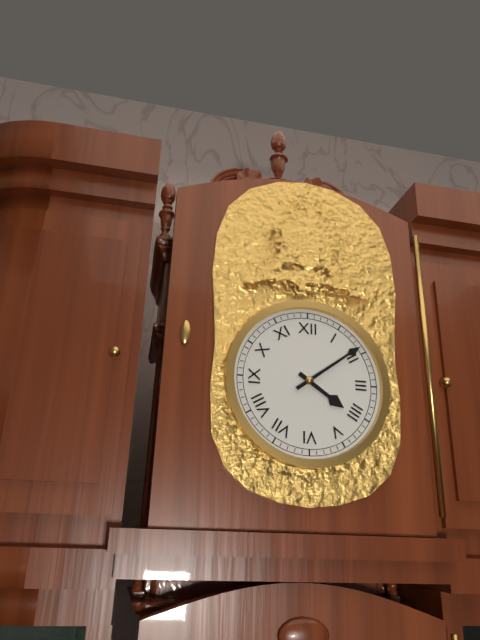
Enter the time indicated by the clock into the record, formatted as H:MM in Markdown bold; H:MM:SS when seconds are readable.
**4:09**
